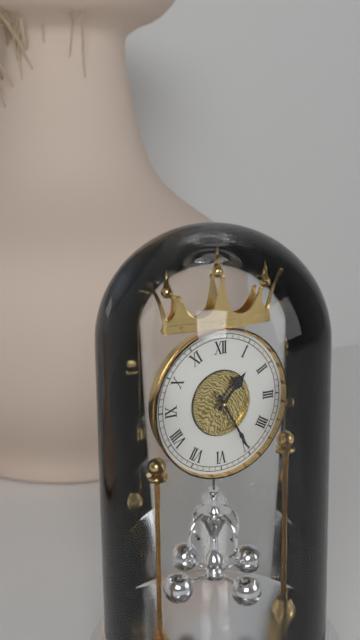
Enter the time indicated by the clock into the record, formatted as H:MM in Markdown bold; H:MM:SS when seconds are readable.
**1:25**
